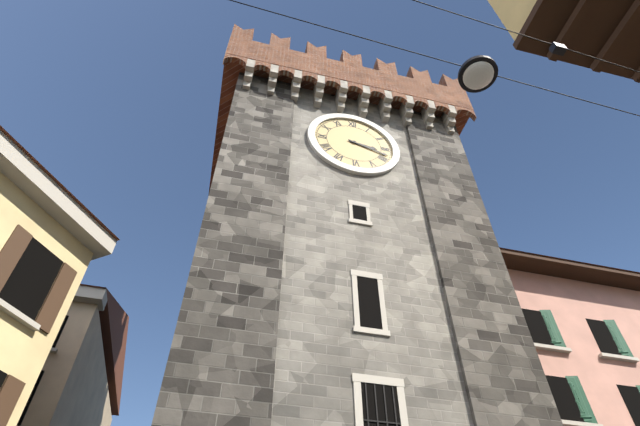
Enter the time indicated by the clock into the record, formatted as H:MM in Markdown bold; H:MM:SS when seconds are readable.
**3:18**
